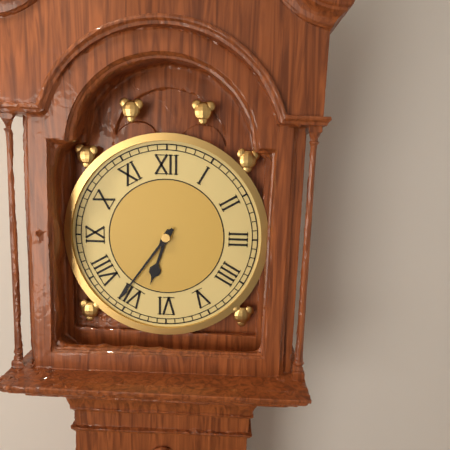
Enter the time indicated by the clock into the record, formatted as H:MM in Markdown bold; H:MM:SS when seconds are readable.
**6:36**
